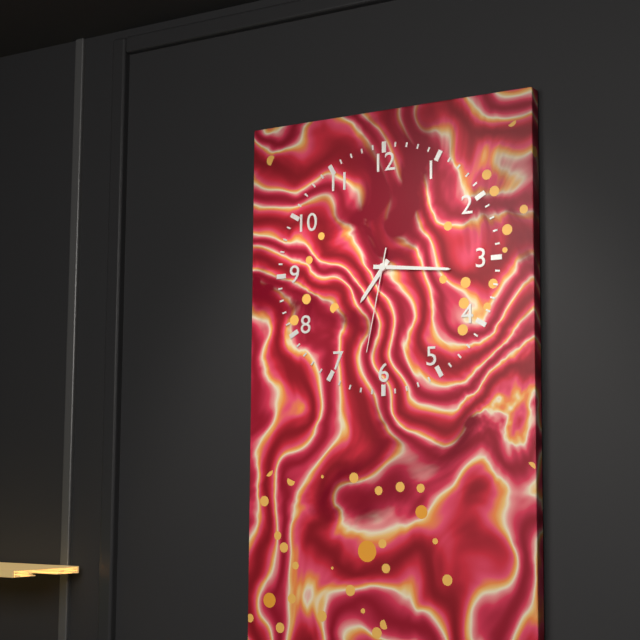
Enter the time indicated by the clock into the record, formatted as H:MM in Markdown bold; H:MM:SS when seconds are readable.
**7:16:32**
